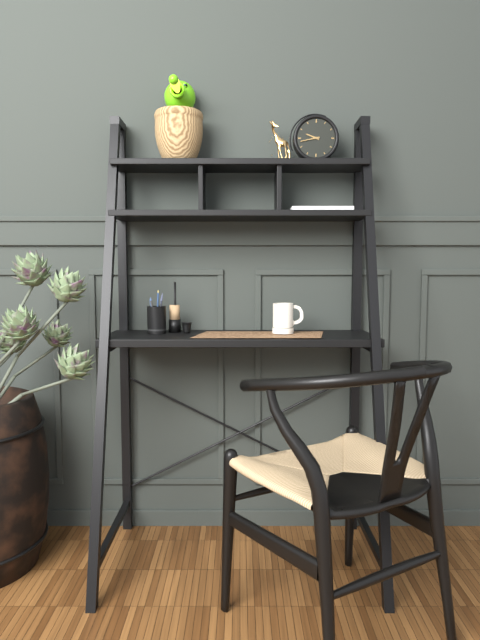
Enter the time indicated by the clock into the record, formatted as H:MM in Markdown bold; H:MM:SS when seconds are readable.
**9:43**
